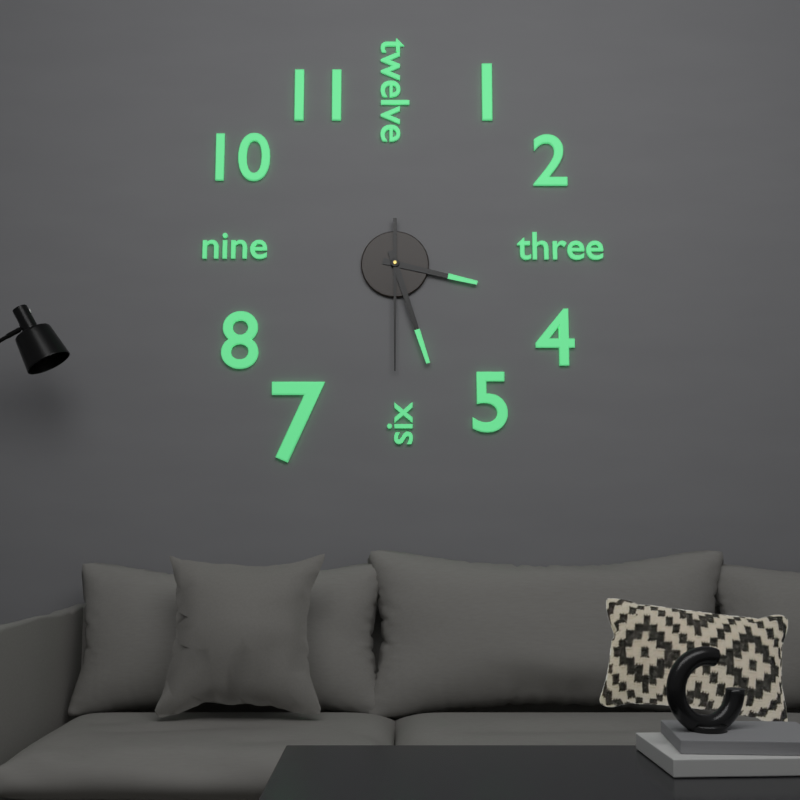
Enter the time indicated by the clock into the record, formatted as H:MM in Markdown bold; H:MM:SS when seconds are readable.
**3:27:30**
